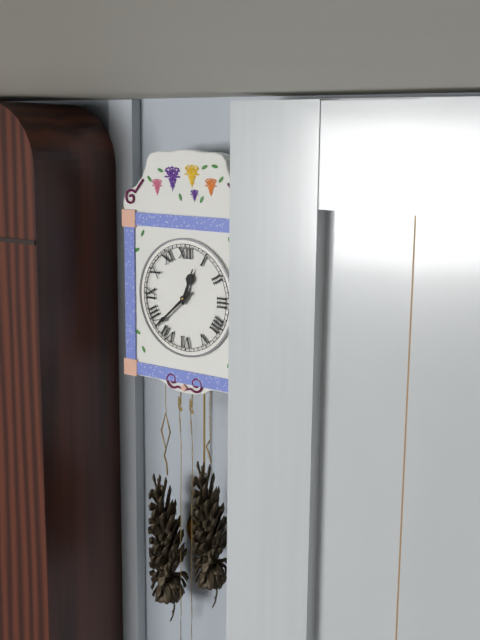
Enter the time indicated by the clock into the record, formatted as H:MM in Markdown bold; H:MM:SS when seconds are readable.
**12:38**
